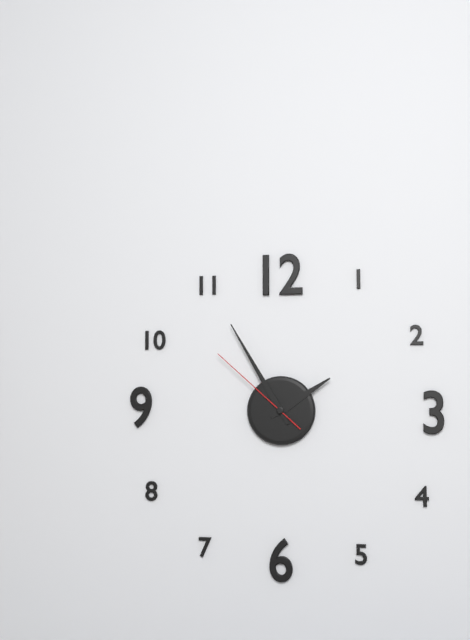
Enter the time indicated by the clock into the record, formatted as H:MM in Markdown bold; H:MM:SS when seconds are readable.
**1:55:52**
